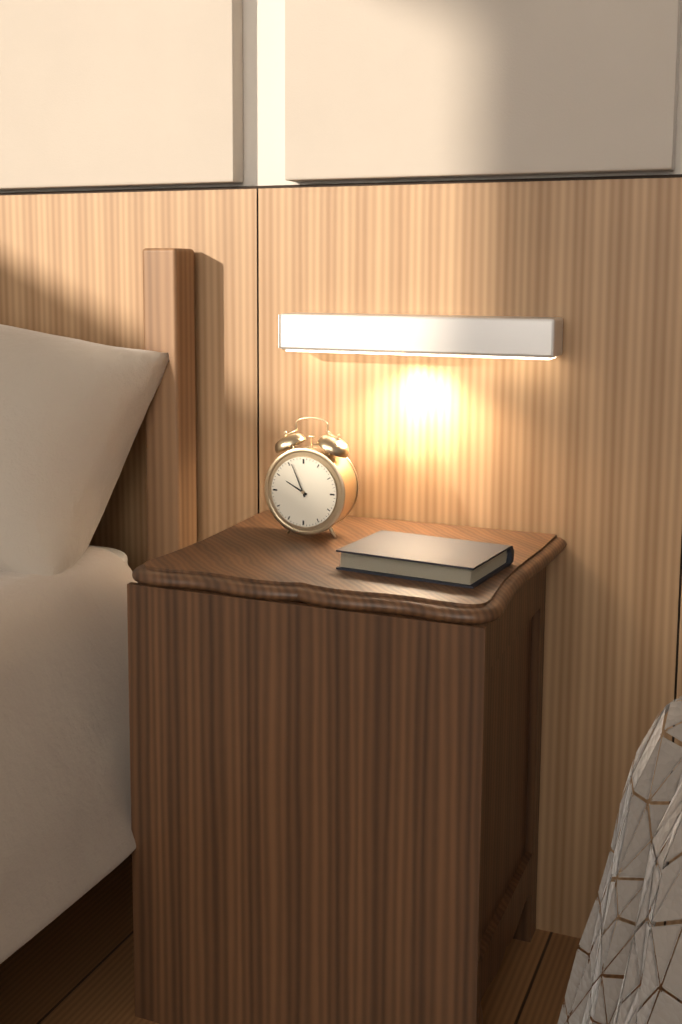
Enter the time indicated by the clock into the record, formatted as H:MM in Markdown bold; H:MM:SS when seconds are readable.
**9:56**
